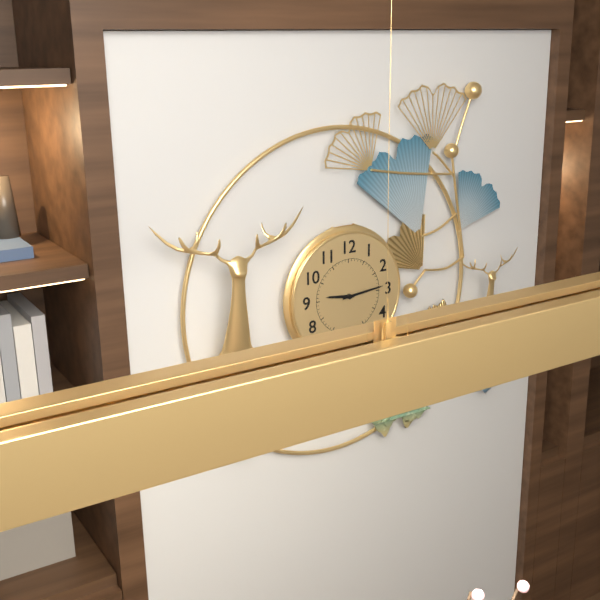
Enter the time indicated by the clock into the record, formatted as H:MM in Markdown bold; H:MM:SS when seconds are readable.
**9:14**
